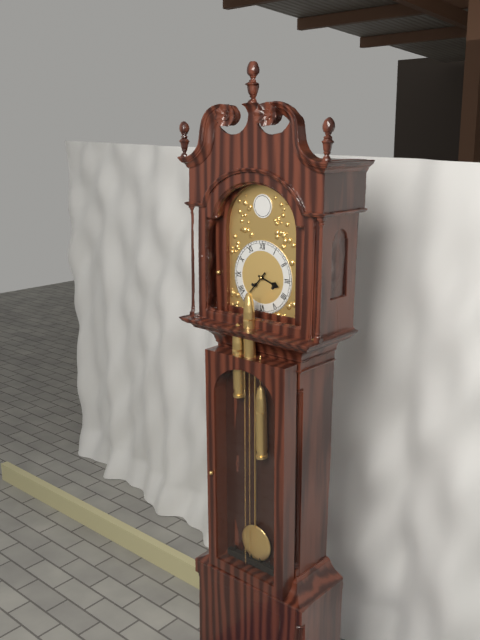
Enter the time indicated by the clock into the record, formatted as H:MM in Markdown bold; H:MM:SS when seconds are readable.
**3:37**
